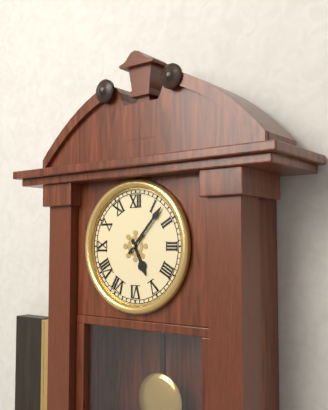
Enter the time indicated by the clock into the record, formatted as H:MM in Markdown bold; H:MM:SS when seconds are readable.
**5:07**
